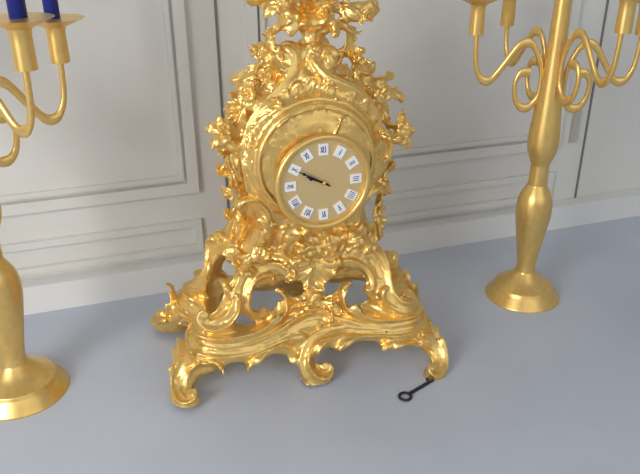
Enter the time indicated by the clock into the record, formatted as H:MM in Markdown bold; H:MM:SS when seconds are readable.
**9:50**
